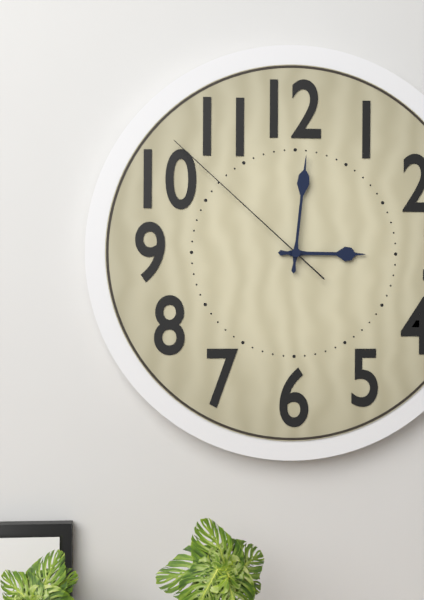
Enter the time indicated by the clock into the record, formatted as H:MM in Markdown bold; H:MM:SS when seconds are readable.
**3:01:52**
